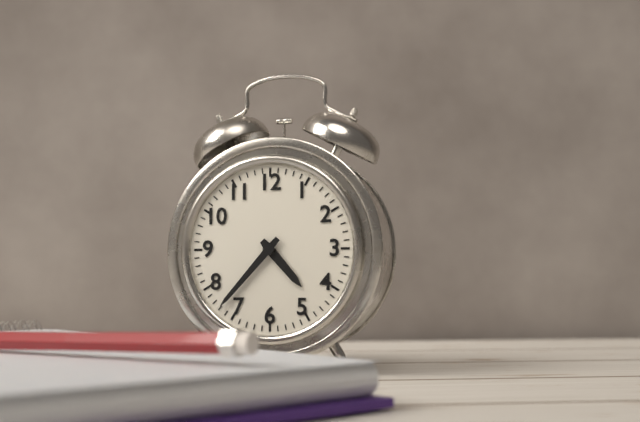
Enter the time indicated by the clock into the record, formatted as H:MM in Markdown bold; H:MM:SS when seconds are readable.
**4:37**
